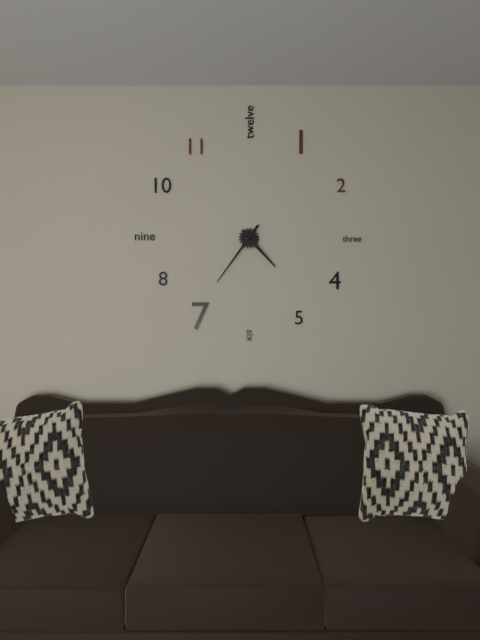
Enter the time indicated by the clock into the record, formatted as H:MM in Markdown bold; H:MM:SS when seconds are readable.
**4:36**
